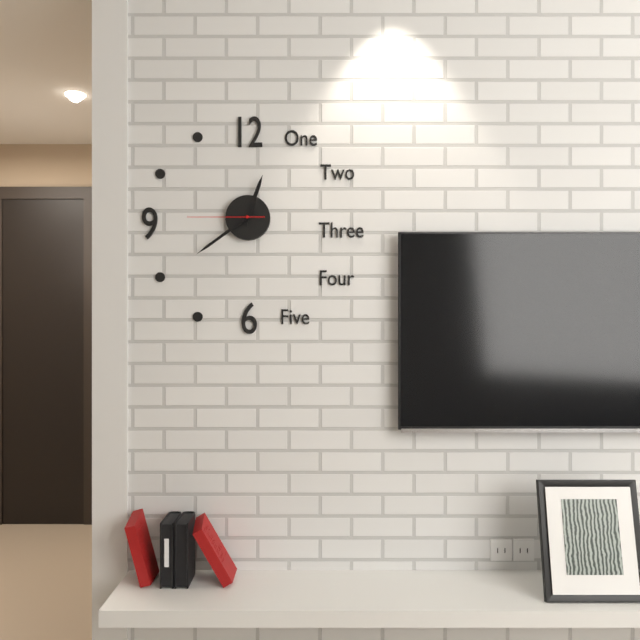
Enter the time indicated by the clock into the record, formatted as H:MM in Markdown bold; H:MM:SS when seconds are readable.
**12:39:45**
